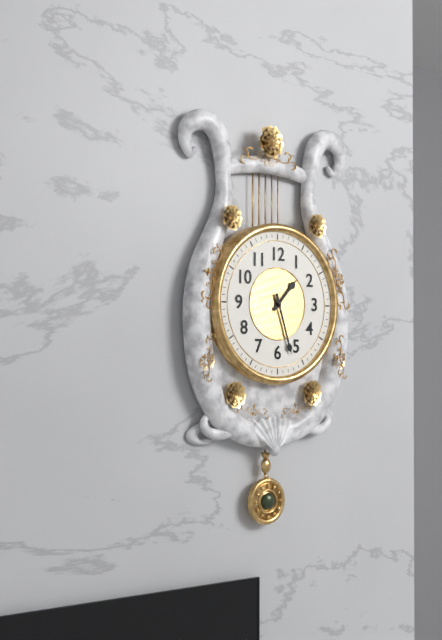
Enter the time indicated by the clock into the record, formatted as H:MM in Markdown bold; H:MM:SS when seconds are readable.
**1:27**
